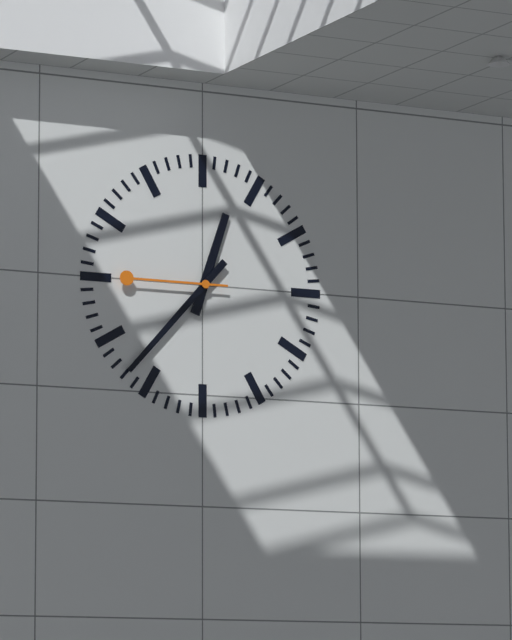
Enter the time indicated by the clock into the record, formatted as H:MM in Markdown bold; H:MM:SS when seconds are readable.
**12:37:45**
